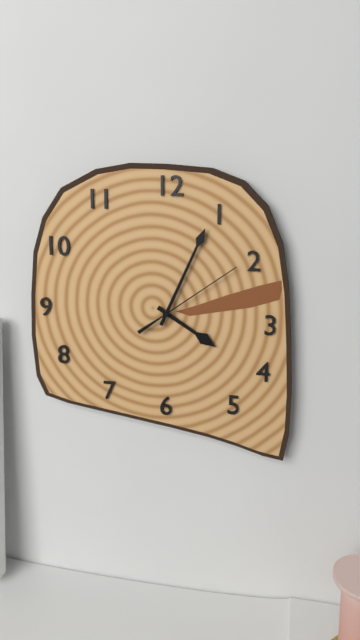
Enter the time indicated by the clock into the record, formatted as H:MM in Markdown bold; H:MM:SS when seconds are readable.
**4:04:09**
